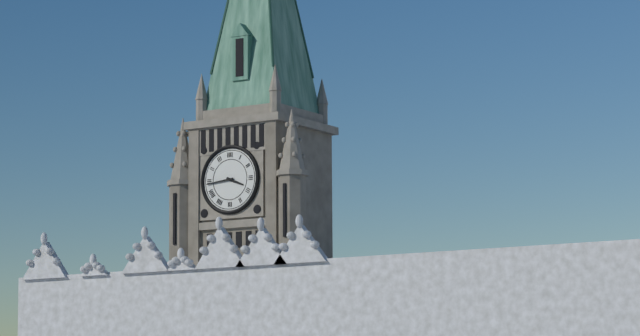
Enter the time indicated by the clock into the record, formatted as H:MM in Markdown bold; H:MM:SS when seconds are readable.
**3:44**
